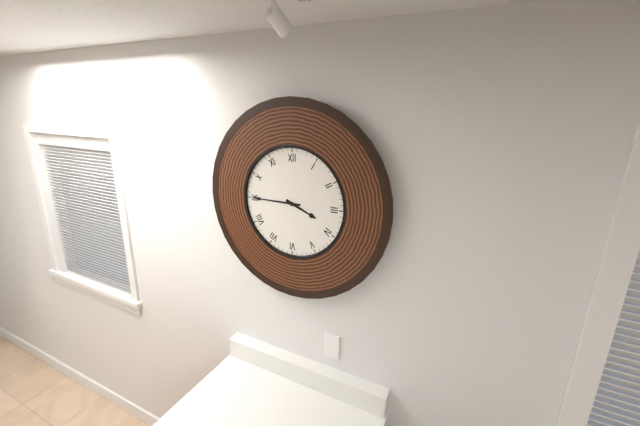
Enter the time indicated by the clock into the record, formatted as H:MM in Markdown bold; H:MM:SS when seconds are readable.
**3:45**
